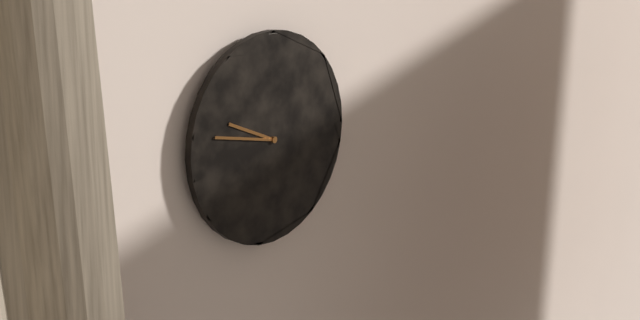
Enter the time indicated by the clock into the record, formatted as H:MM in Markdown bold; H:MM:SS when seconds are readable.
**9:47**
